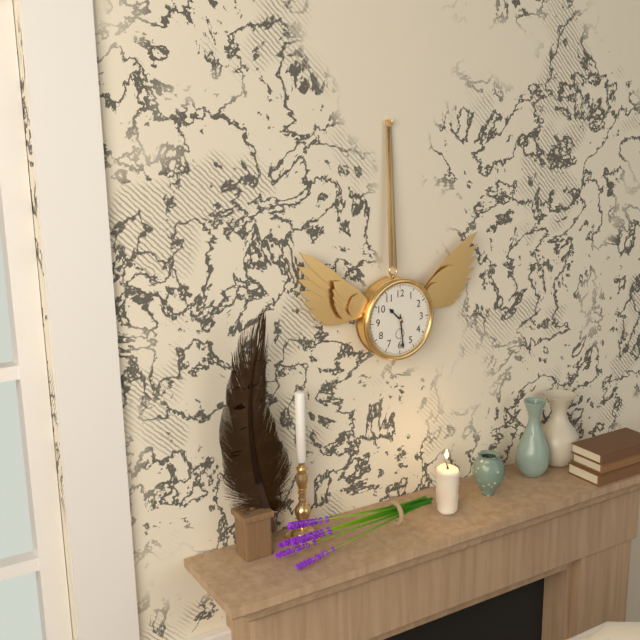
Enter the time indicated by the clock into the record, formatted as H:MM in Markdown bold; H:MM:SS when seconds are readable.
**10:29**
